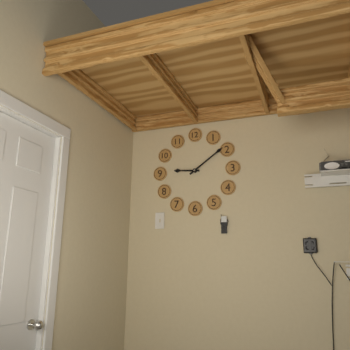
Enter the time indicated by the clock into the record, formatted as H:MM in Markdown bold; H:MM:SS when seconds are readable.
**9:09**
